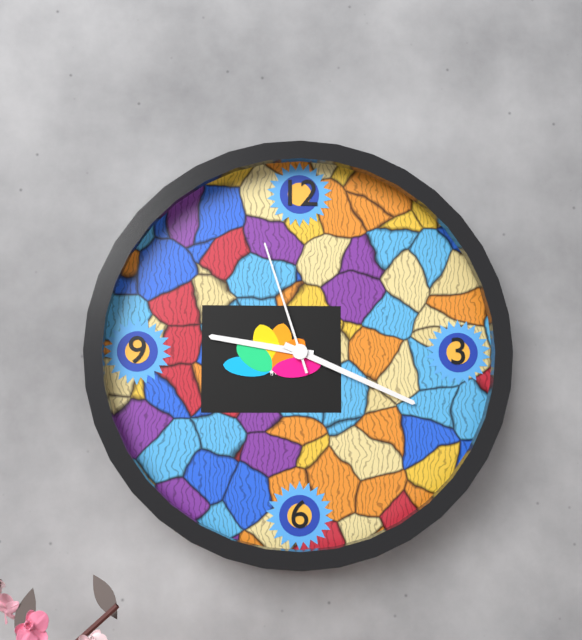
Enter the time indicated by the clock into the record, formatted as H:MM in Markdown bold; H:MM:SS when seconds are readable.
**9:19:57**
